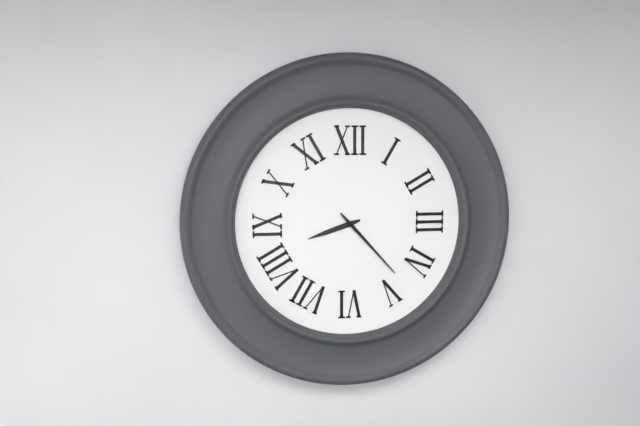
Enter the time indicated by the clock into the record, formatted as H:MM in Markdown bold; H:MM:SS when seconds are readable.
**8:23**
